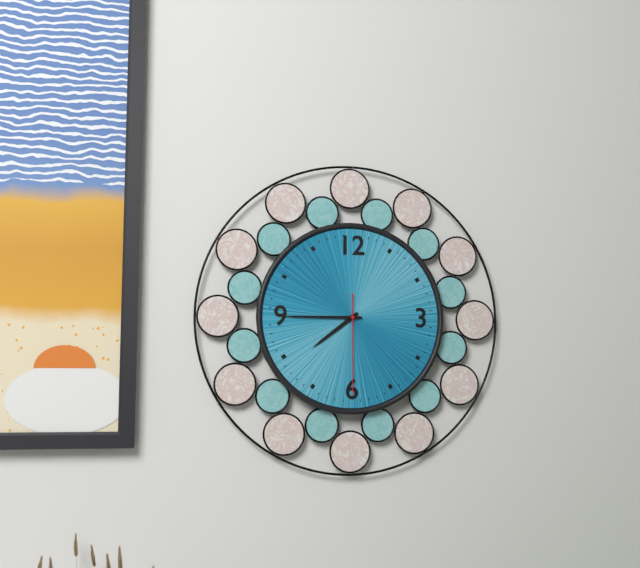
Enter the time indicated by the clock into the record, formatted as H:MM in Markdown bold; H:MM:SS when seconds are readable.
**7:45:30**
